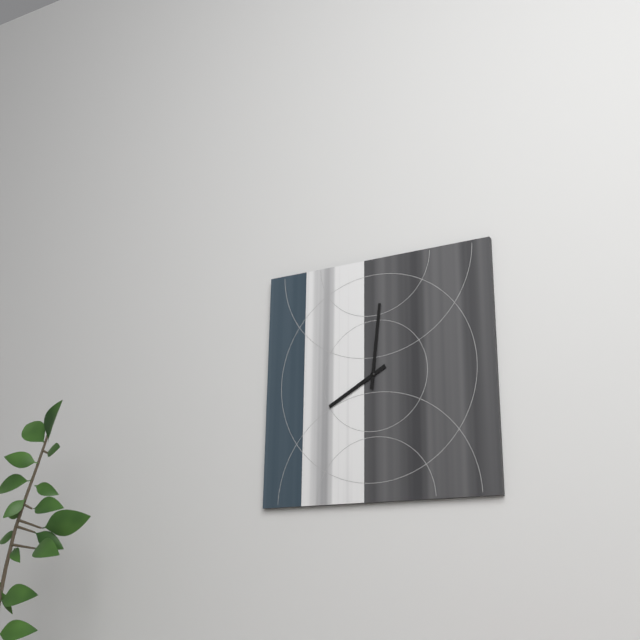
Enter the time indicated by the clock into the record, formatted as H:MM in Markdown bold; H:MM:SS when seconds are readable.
**8:01**
